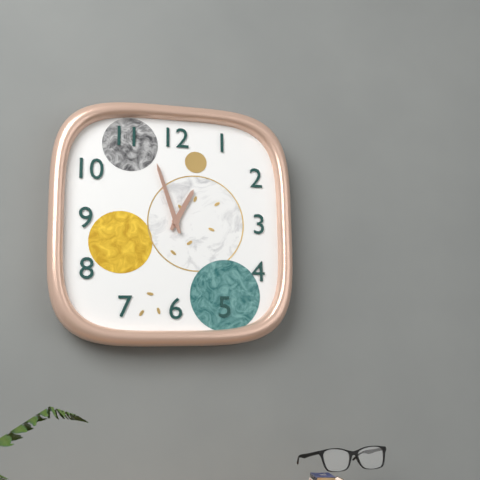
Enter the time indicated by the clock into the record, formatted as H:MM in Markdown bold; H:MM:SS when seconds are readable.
**12:57**
